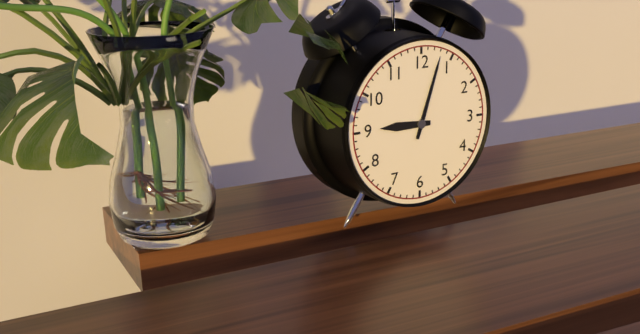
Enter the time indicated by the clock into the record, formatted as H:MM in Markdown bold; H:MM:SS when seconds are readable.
**9:03**
